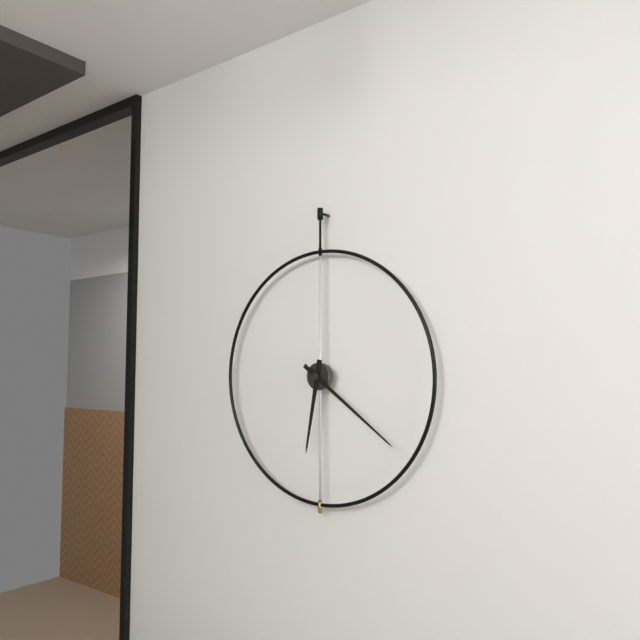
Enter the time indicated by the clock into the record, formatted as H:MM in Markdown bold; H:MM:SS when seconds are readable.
**6:21**
